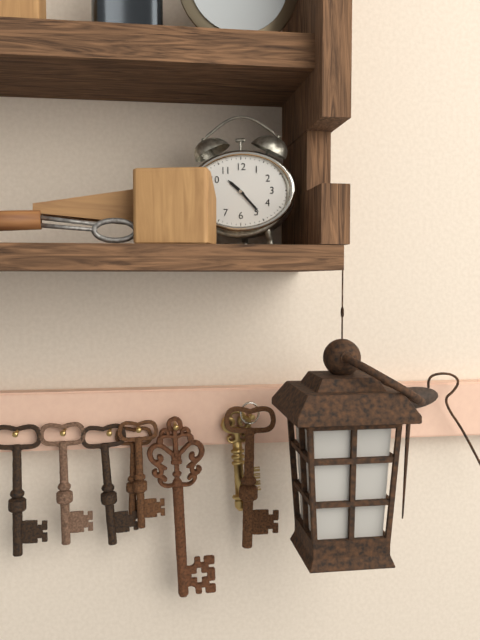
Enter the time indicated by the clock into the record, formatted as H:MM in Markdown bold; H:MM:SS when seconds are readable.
**10:23**
